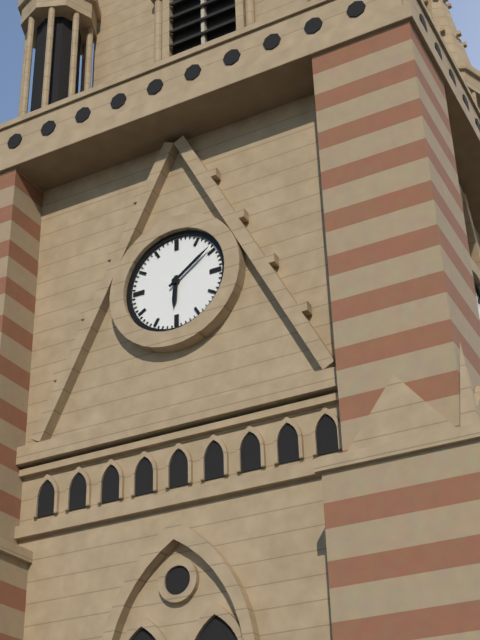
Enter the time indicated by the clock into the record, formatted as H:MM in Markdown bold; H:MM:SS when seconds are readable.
**6:09**
